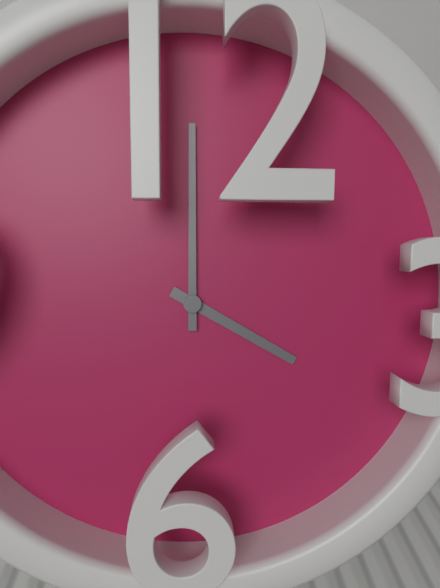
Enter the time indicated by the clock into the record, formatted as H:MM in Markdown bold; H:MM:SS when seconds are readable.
**4:00**
